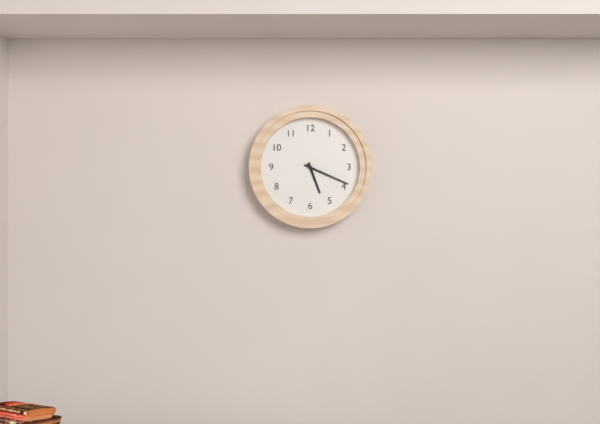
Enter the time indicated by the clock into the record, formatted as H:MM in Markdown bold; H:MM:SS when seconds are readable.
**5:19**
